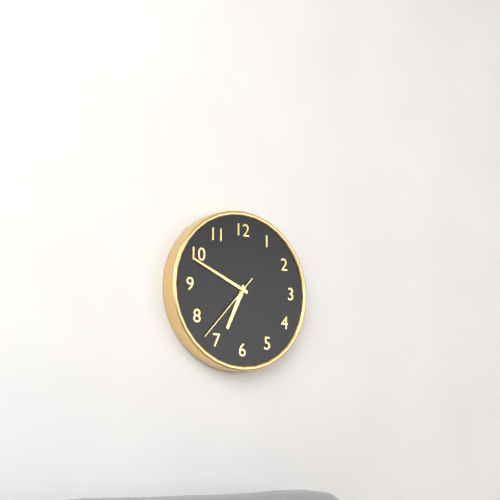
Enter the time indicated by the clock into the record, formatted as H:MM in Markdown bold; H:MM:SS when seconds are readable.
**6:49:37**
